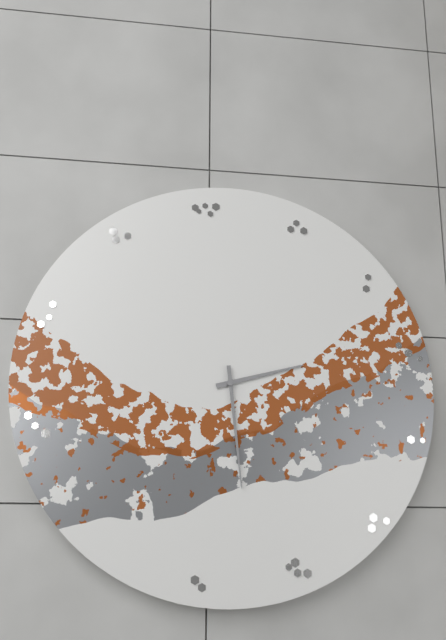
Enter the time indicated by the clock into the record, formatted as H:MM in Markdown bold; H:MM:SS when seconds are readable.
**2:29**
